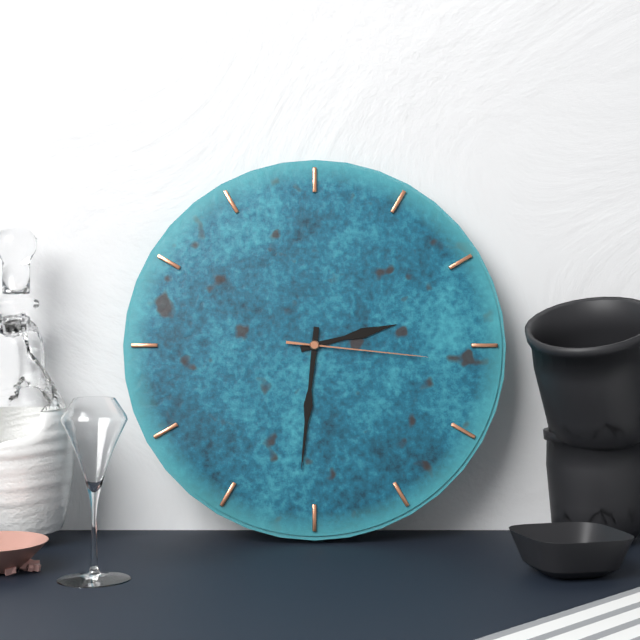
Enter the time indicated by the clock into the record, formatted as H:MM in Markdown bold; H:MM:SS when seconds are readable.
**2:31:16**
